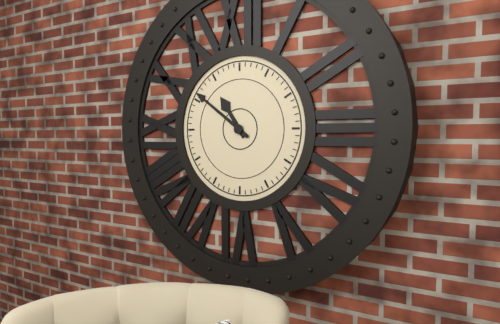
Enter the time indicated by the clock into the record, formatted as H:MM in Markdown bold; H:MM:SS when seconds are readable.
**10:51**
